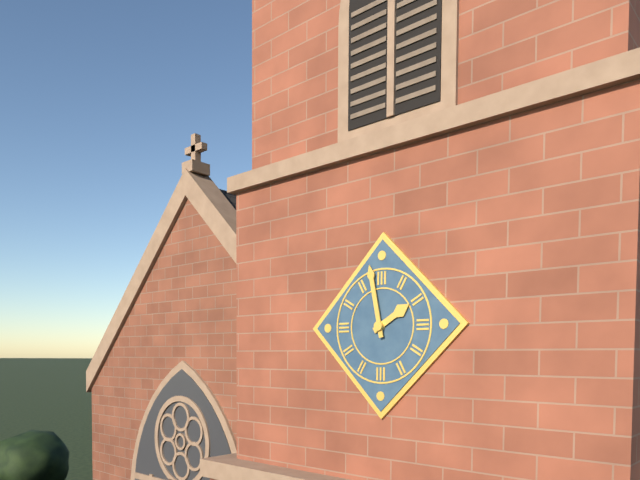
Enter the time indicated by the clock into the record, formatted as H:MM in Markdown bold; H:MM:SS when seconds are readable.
**1:58**
